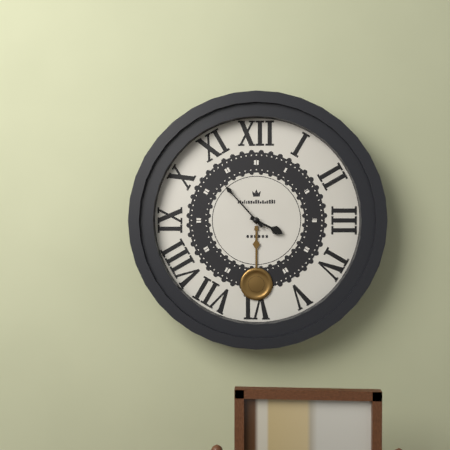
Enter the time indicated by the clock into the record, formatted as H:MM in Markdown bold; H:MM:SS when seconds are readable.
**3:53**
